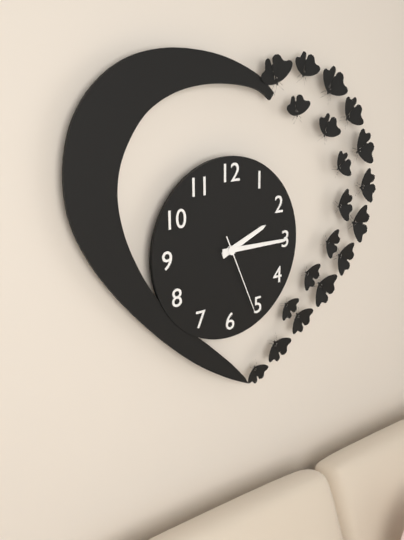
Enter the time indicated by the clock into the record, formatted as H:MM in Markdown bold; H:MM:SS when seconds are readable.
**2:15:26**
